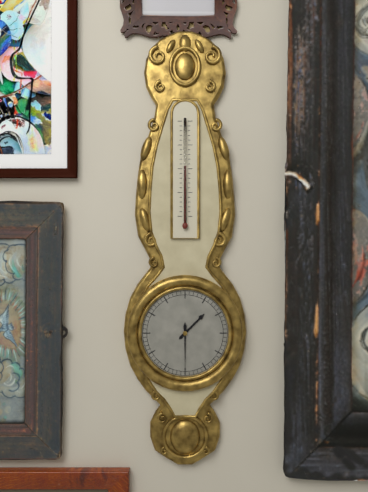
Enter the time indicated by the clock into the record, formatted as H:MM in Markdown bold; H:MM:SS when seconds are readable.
**1:30**
